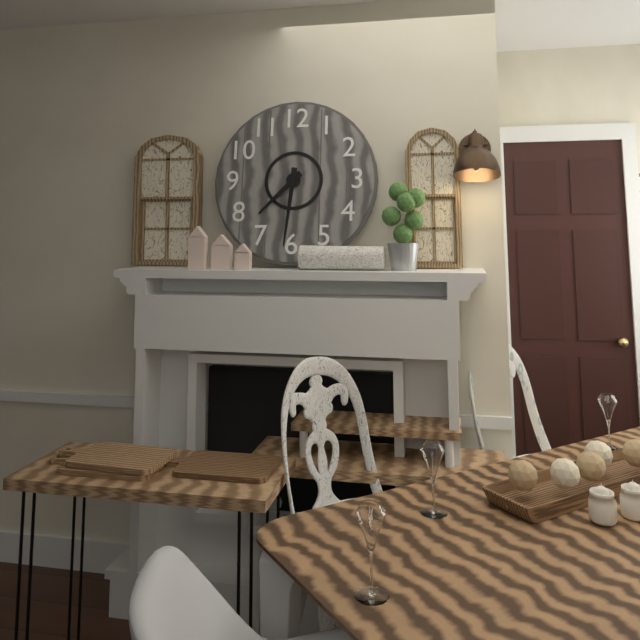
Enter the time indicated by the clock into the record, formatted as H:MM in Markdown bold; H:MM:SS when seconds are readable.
**7:31**
